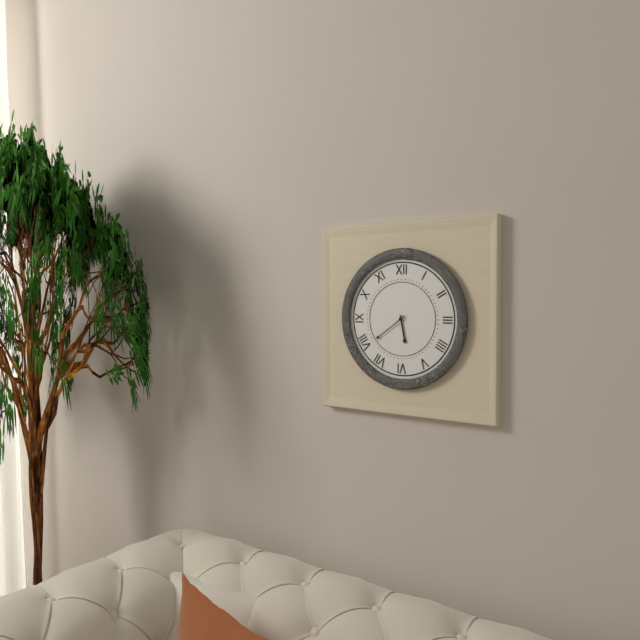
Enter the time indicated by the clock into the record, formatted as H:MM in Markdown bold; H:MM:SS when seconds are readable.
**5:39**
